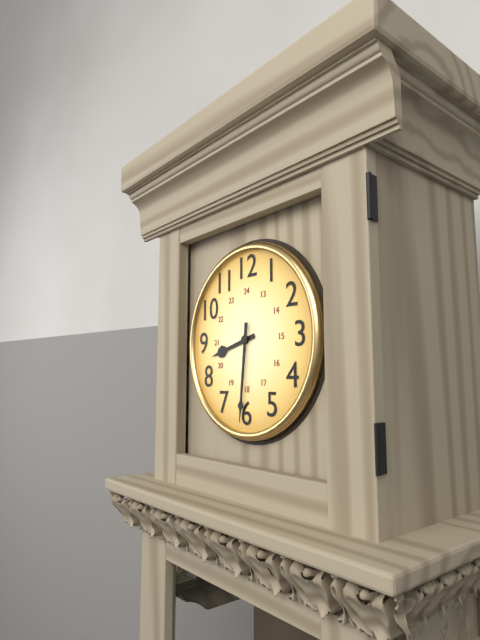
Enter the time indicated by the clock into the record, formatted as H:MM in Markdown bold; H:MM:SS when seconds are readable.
**8:31**
